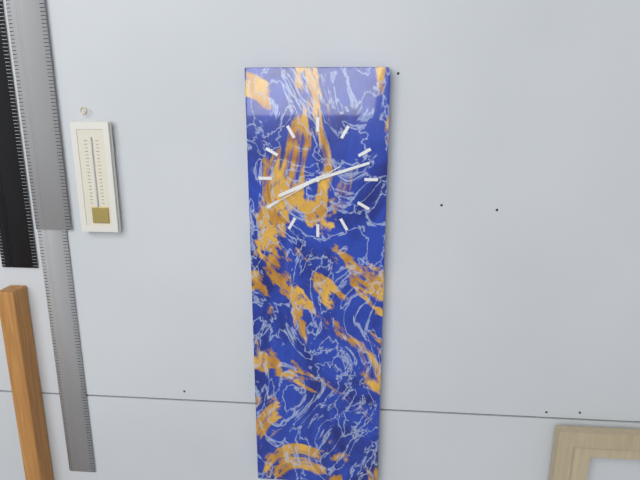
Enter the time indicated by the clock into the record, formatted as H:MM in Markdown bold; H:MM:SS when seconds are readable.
**8:12:40**
